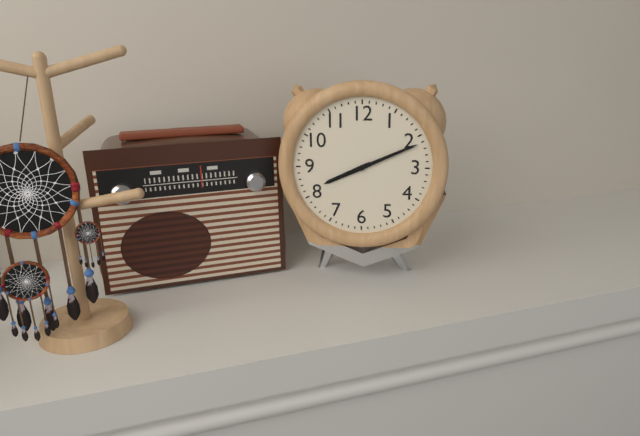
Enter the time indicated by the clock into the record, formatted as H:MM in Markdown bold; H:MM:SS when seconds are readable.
**8:11**
